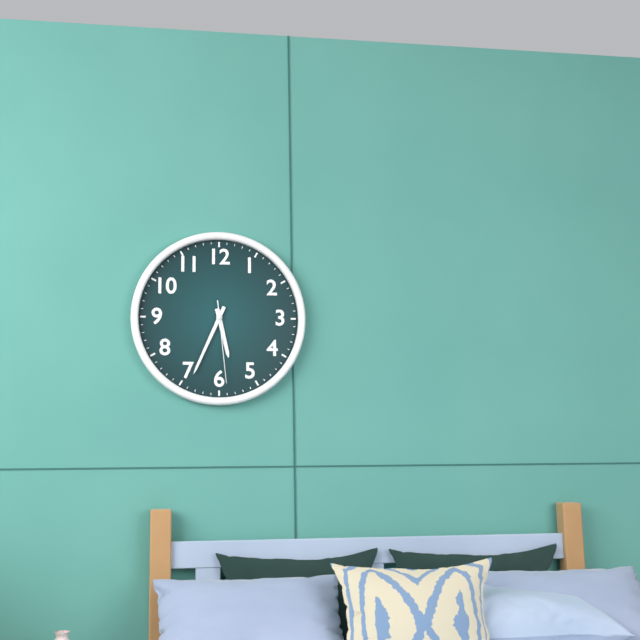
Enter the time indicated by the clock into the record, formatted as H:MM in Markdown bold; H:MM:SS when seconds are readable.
**5:34:29**
